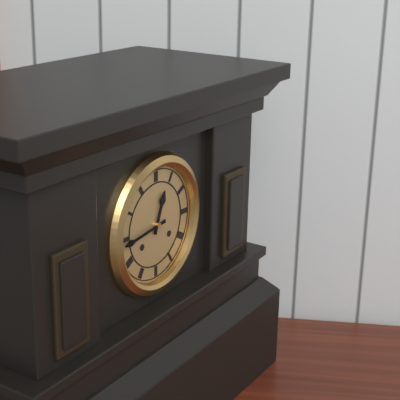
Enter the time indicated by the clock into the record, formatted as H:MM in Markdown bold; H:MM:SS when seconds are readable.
**12:44**
